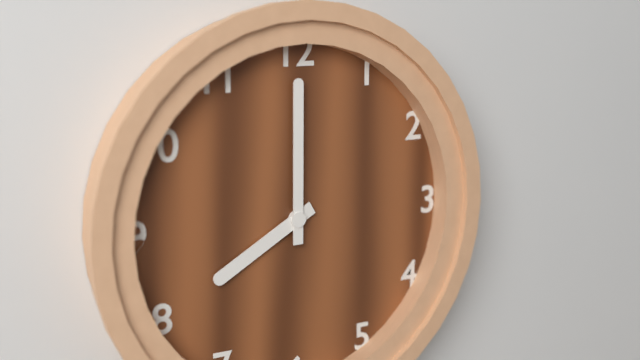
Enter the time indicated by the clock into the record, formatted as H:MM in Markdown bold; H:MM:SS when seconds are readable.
**8:00**
